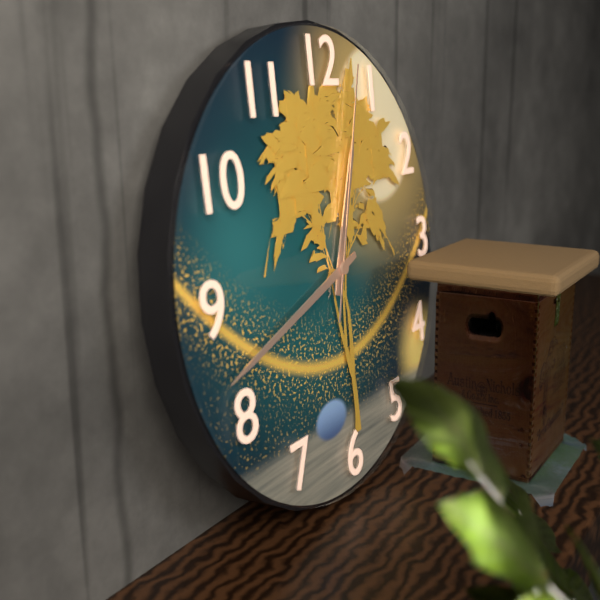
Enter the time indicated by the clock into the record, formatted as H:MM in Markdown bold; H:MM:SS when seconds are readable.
**12:42:03**
